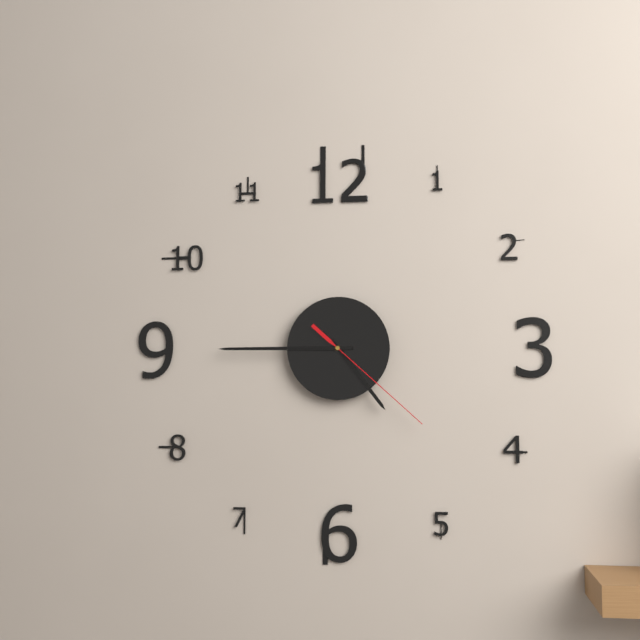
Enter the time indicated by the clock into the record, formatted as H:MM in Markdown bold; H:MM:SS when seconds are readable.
**4:45:22**
